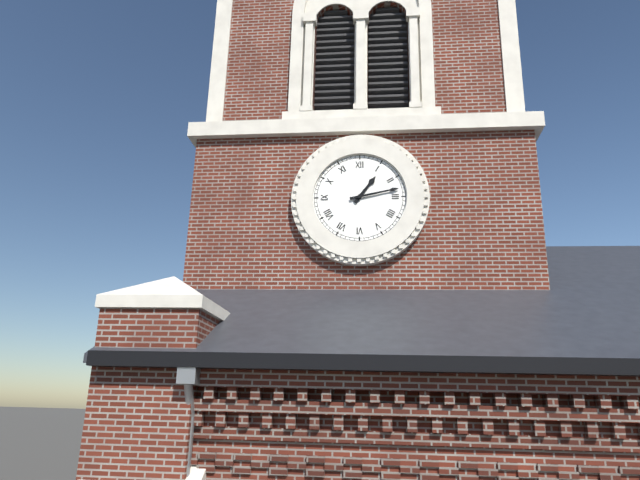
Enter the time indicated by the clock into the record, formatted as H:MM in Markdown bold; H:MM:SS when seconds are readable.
**1:13**
